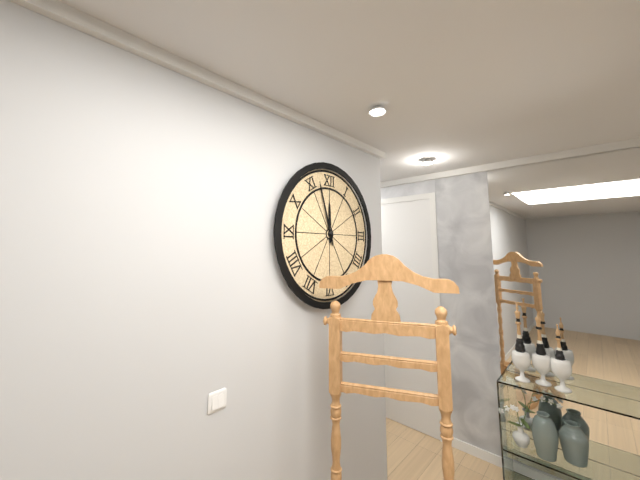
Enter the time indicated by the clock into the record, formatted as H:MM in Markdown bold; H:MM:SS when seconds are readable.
**11:57**
